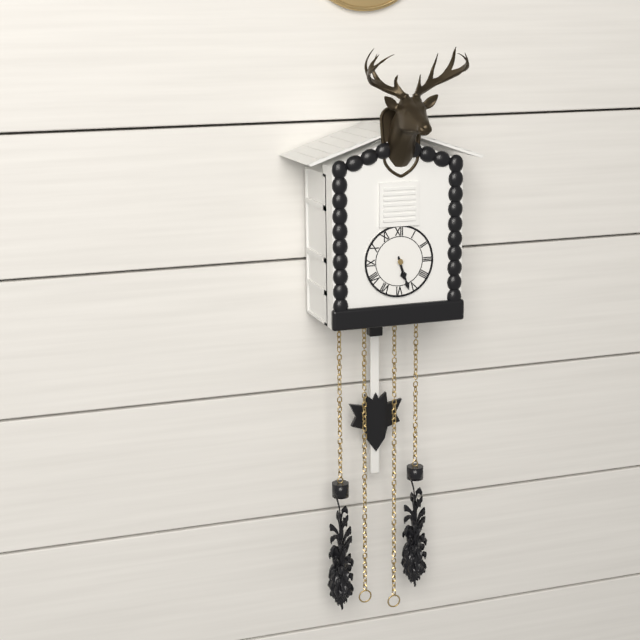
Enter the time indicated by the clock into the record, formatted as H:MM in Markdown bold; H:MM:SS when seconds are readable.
**5:27**
